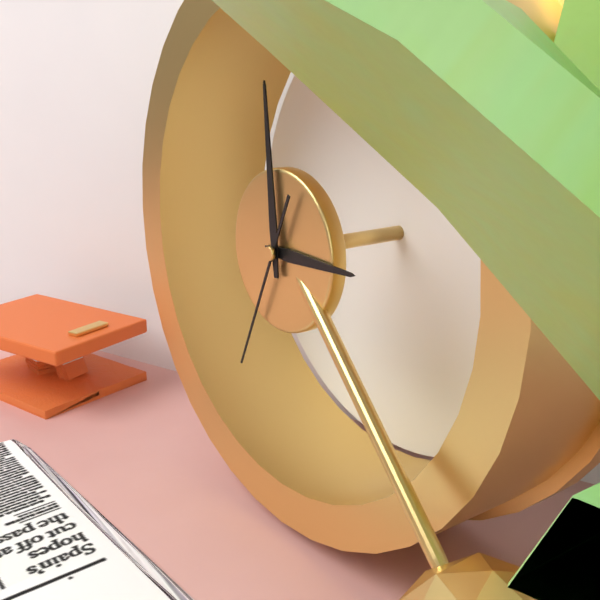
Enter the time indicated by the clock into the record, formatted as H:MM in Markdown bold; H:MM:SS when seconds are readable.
**2:59:34**
